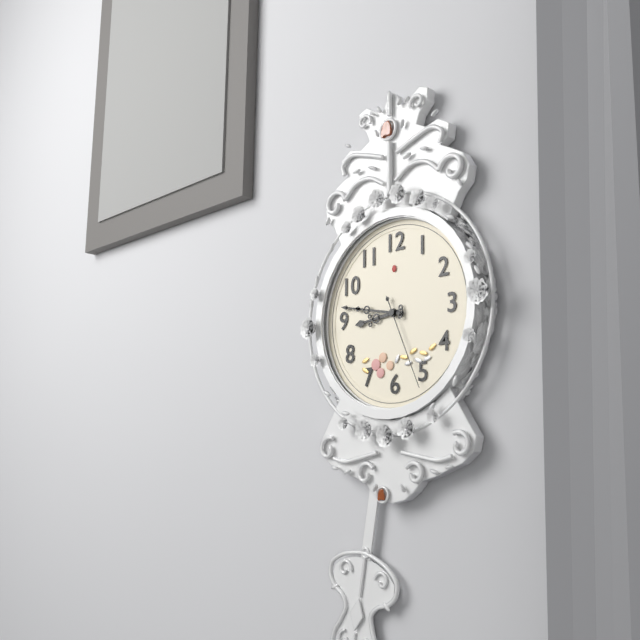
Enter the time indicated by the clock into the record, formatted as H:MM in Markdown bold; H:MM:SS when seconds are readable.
**8:47:26**
